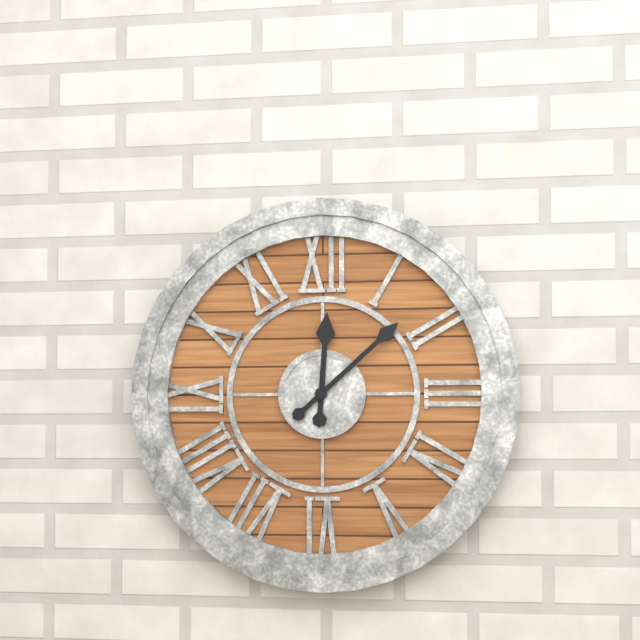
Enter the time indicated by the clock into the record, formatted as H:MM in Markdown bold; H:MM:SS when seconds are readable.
**12:08**
